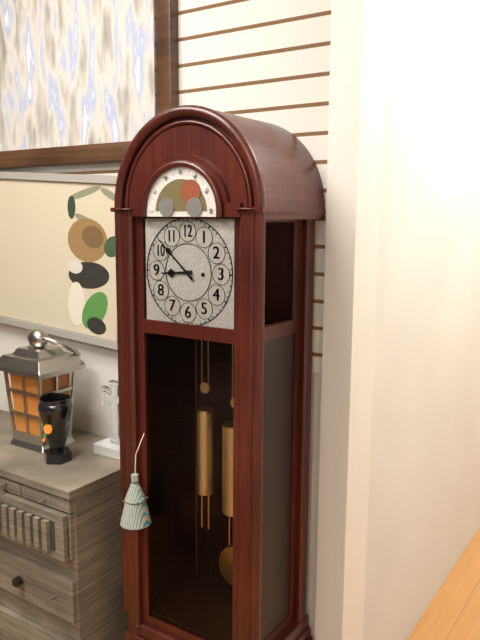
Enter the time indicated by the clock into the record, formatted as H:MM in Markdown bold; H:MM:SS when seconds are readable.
**8:52**
